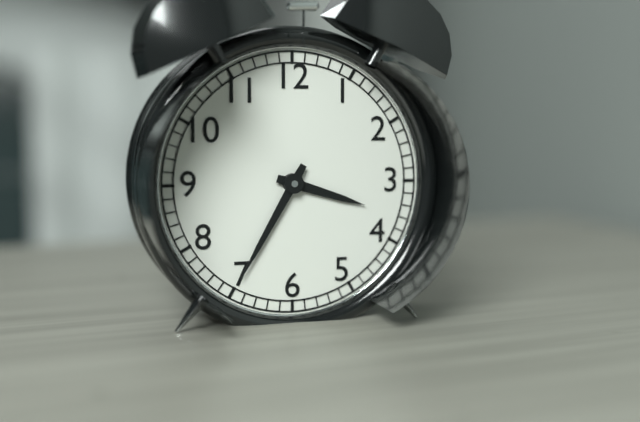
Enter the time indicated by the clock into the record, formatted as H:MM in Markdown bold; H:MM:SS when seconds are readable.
**3:35**
